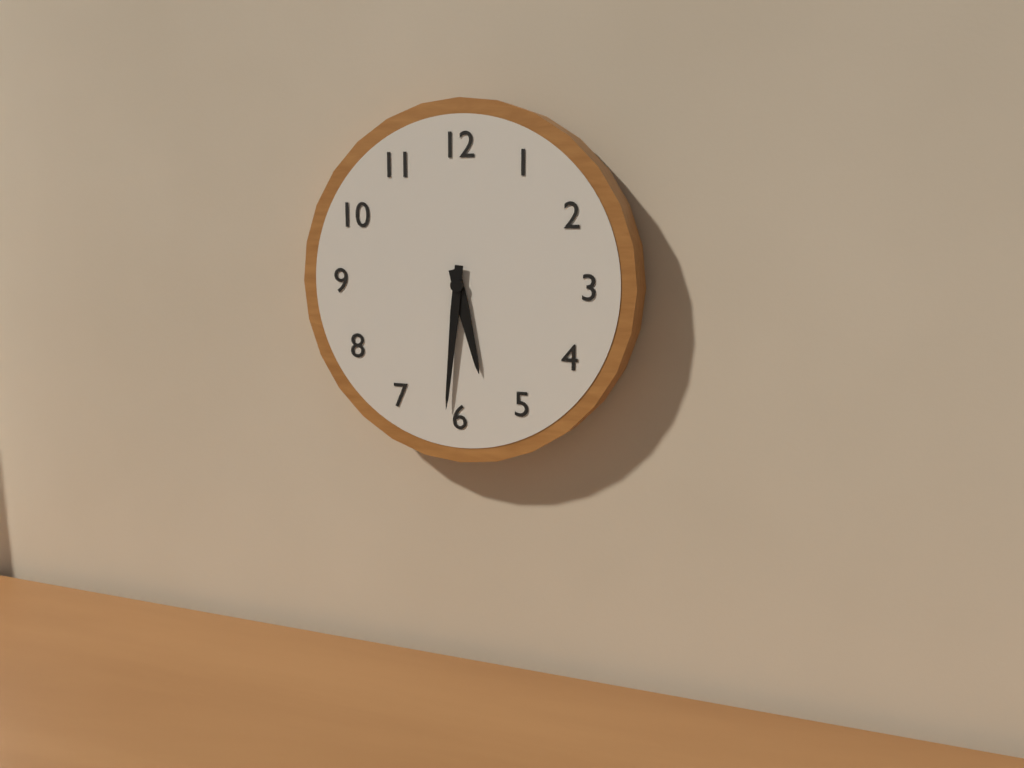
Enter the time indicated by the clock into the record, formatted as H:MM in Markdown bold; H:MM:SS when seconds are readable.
**5:31**
